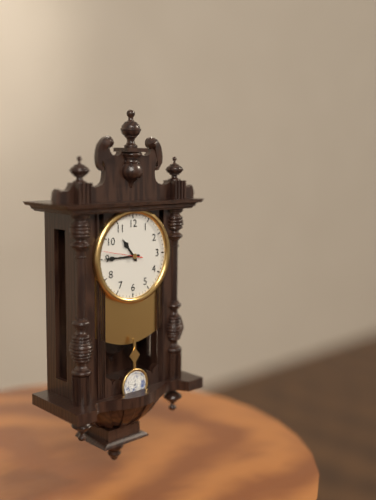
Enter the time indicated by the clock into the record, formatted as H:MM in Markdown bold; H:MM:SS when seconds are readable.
**10:45**
